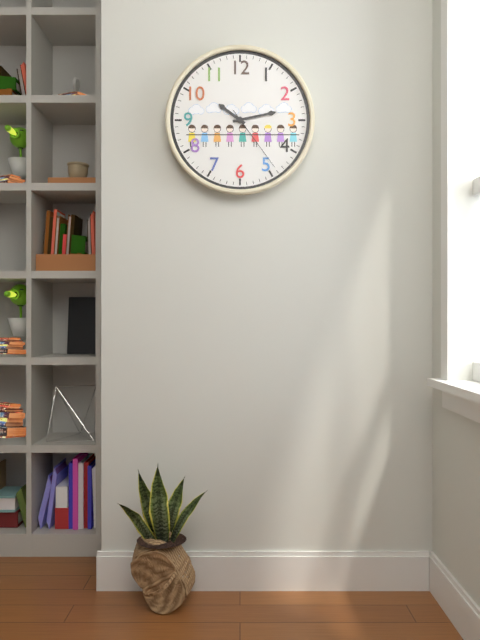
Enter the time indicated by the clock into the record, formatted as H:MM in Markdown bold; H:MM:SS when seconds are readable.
**10:13:24**
